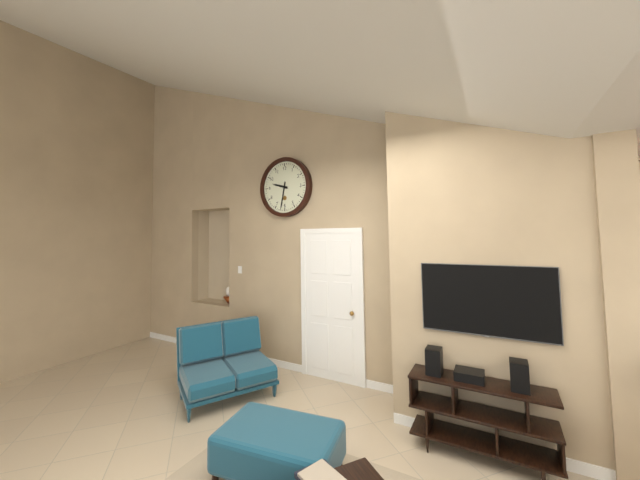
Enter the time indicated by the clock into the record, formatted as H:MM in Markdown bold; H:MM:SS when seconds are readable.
**9:32**
